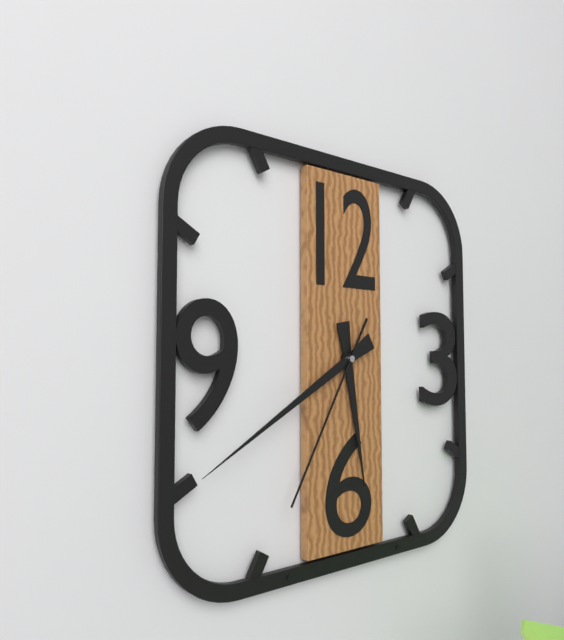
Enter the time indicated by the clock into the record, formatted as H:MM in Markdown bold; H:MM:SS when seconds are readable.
**5:40:35**
